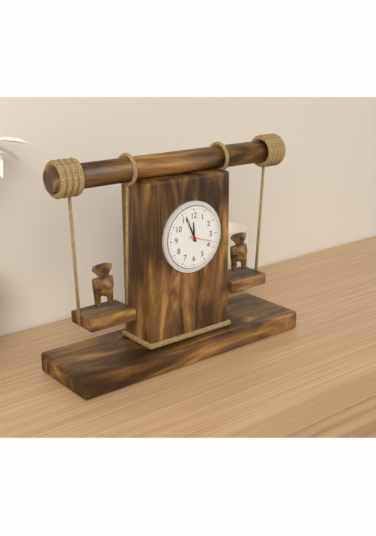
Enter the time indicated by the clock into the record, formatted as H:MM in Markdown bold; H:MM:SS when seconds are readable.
**11:56**
